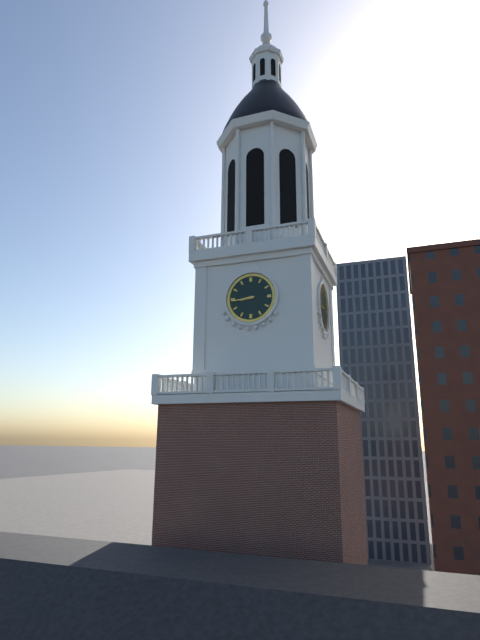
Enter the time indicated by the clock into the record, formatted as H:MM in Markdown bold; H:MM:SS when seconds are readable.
**8:44**
